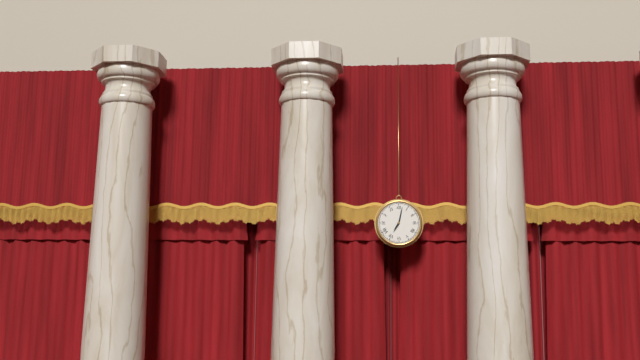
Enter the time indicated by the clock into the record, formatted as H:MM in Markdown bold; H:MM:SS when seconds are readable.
**7:02**
